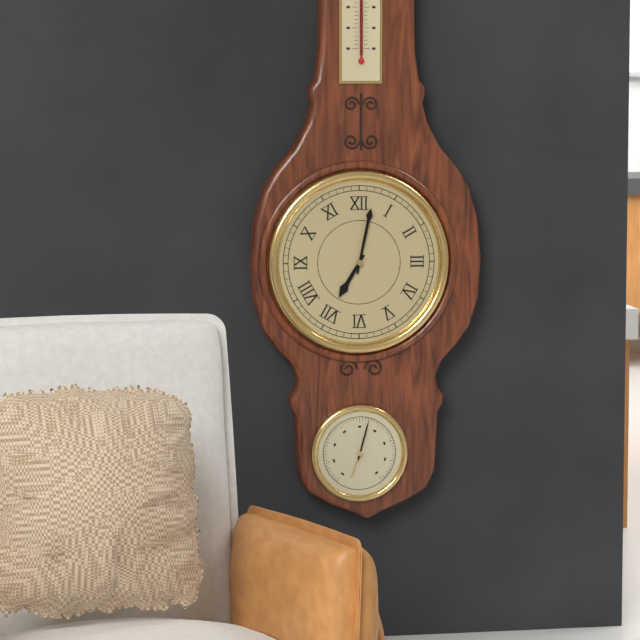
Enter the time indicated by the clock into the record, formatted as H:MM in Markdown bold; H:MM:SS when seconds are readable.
**7:02**
